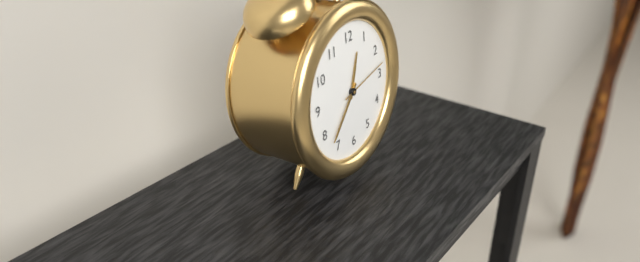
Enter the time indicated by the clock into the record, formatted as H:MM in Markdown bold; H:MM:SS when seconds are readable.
**12:37:13**
